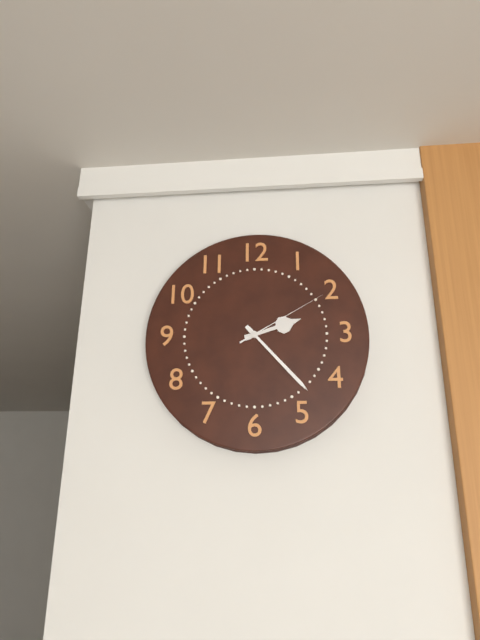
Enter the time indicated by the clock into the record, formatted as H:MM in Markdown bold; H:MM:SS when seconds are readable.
**2:23:10**
